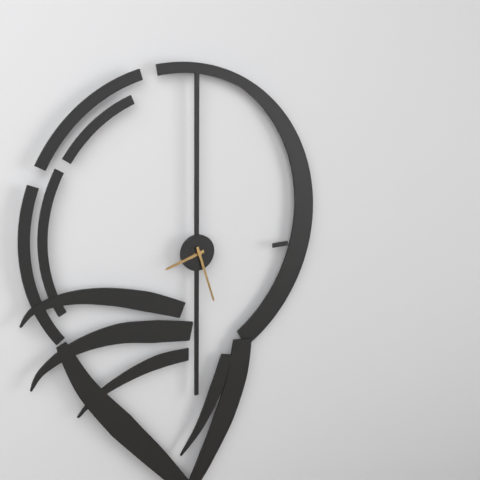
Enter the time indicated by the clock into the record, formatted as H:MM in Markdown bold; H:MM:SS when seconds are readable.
**8:27**
